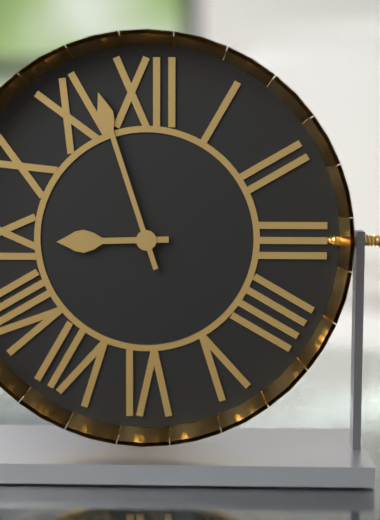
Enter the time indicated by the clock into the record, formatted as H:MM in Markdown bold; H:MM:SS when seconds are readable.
**8:57**
